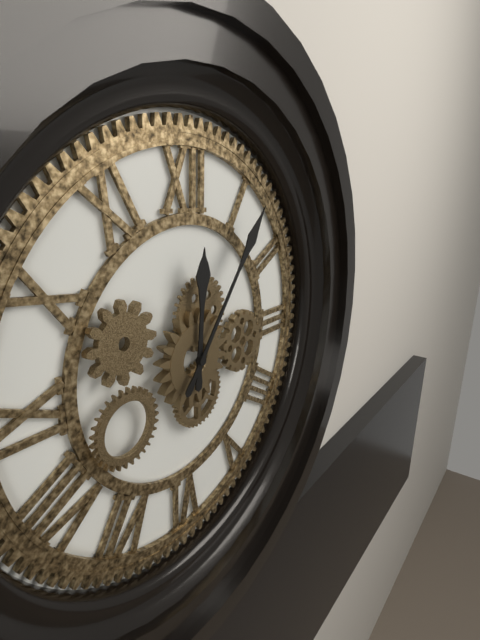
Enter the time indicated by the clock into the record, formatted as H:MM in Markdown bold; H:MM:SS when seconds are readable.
**12:06**
